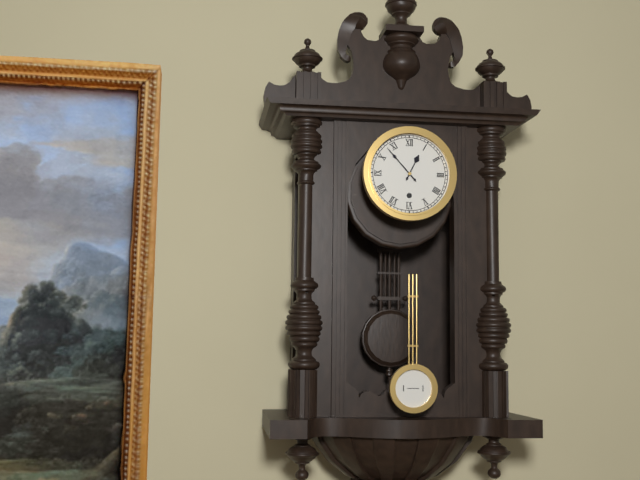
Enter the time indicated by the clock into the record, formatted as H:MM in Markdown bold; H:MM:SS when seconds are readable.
**12:53**
